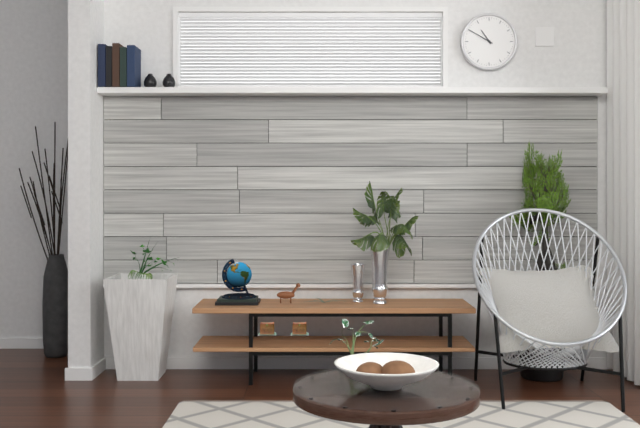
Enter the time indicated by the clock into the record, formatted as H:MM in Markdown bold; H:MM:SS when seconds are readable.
**10:50**
